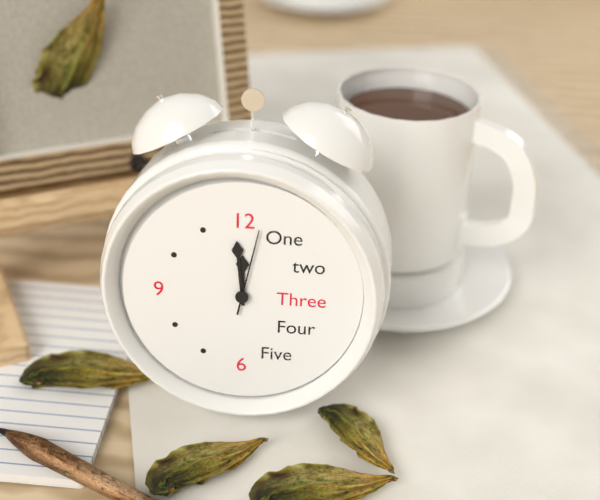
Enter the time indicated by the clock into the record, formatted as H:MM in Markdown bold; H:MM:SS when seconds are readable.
**11:59:02**
